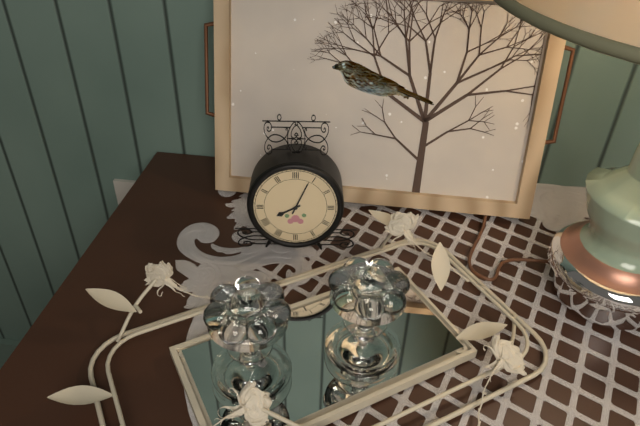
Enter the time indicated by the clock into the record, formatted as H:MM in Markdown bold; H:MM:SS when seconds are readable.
**8:04**
